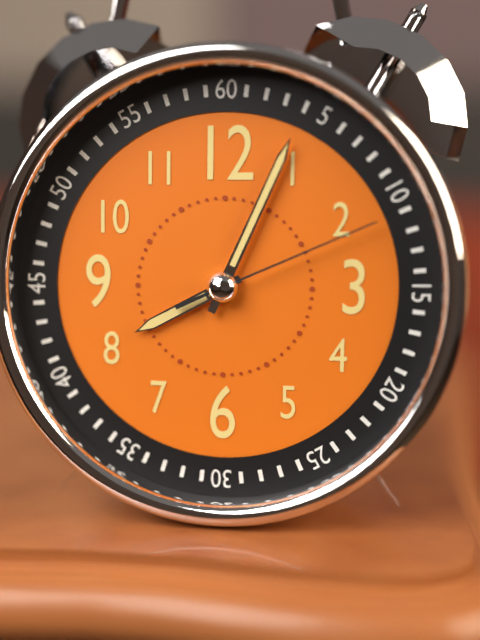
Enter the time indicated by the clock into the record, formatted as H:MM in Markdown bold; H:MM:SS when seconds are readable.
**8:04:11**
